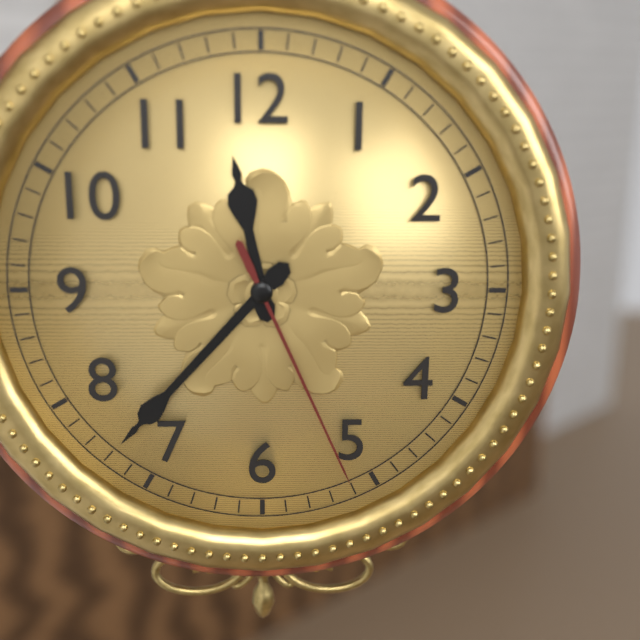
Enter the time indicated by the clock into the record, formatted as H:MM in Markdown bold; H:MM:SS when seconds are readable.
**11:37:26**
